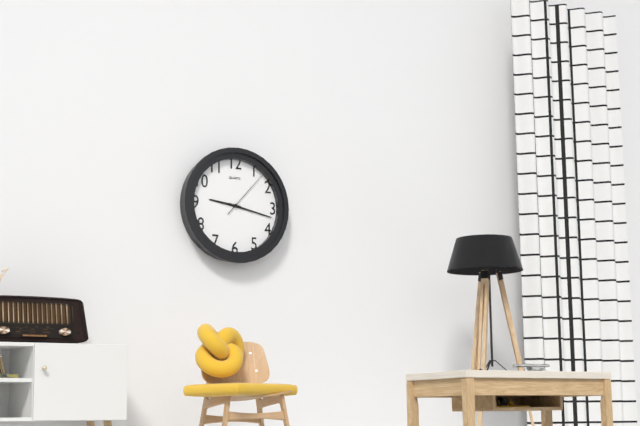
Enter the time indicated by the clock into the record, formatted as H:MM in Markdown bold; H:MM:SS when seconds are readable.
**9:17:07**
